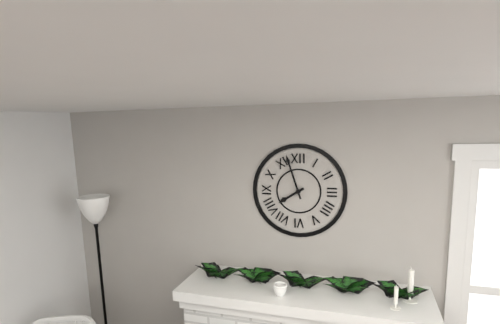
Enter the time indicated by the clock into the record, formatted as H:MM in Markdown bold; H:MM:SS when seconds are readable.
**7:57**
